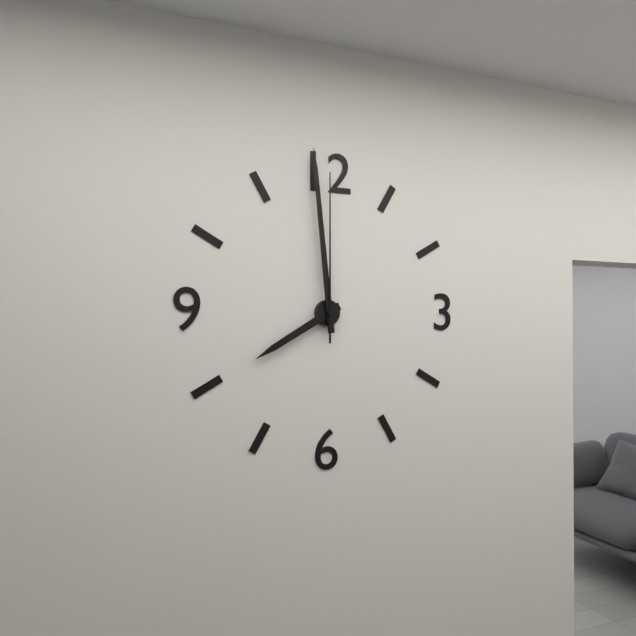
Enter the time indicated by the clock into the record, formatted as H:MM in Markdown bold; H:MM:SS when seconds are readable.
**7:59:00**
